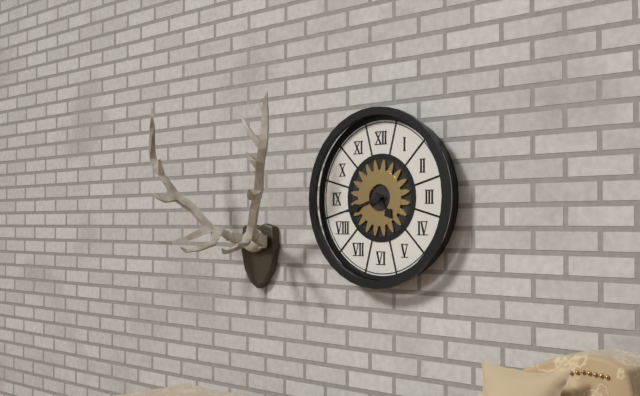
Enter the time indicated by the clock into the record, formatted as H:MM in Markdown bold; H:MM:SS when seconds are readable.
**4:42**
